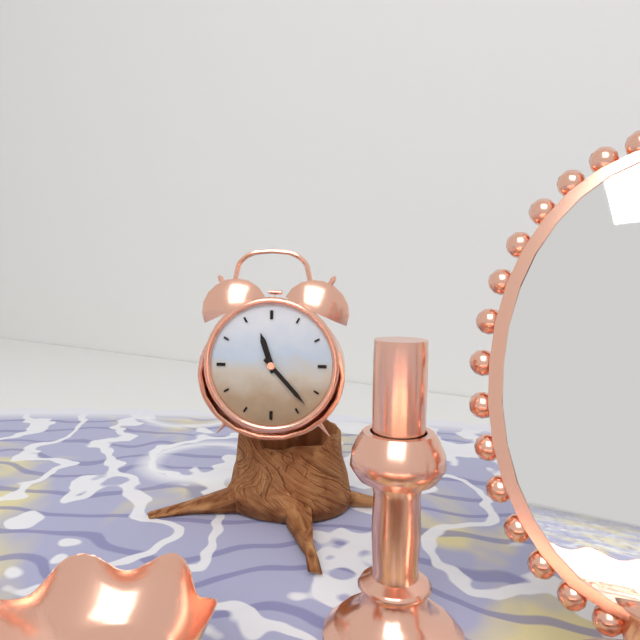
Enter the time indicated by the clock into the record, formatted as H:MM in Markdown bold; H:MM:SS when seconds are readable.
**11:23**
